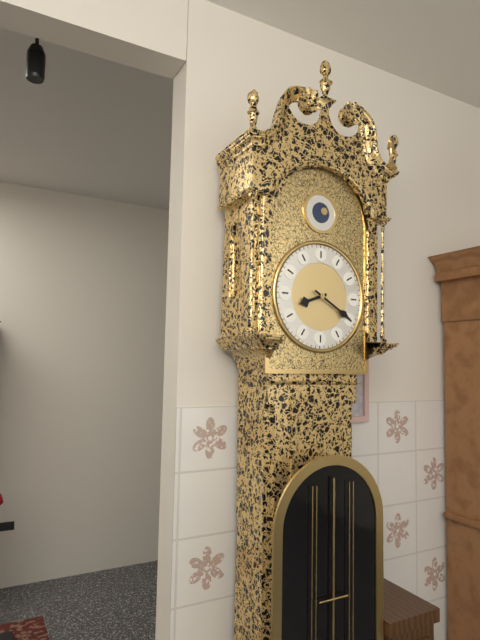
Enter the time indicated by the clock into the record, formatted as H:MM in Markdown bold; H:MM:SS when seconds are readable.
**8:20**
